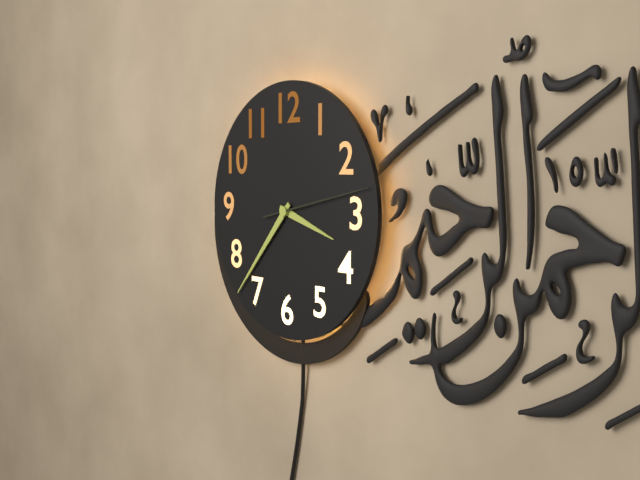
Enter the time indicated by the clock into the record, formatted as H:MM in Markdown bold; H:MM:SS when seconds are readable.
**3:37:13**
